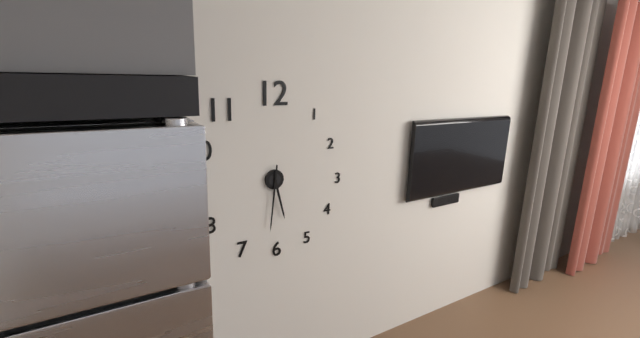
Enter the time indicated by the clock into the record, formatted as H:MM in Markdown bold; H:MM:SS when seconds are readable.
**5:31**
